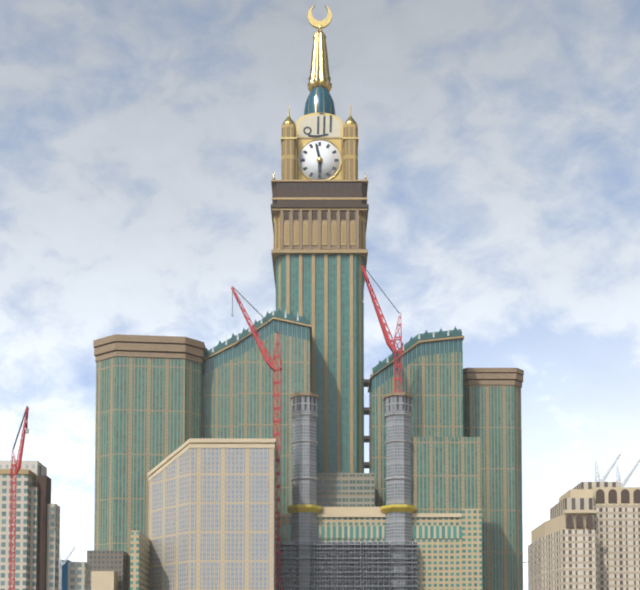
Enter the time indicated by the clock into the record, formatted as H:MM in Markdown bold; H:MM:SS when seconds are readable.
**5:58**
